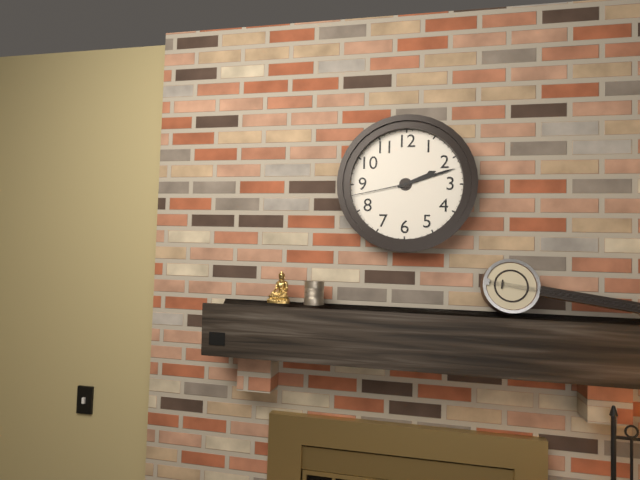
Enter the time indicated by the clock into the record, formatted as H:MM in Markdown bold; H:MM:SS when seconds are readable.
**2:12:43**
